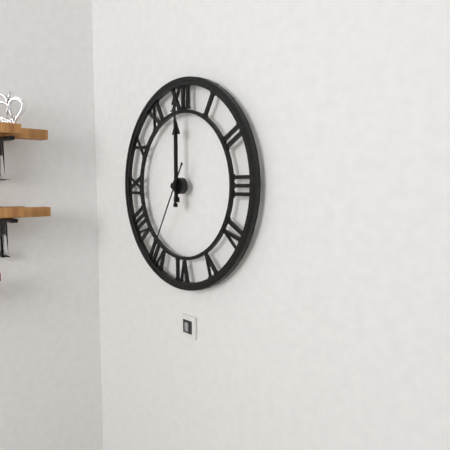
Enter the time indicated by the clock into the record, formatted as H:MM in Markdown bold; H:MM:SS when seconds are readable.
**12:00:35**
